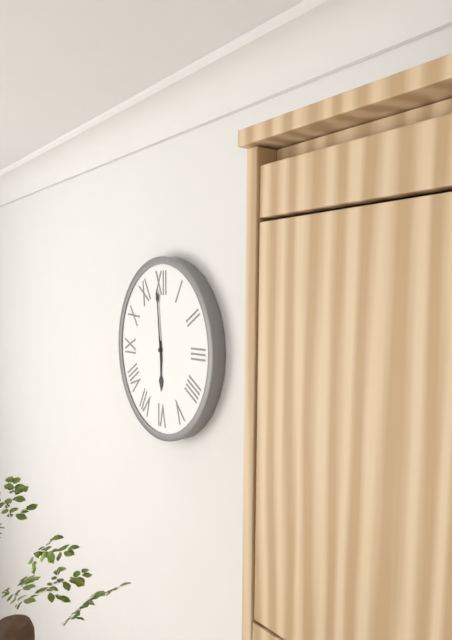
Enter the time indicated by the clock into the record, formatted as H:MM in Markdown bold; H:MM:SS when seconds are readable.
**5:59**
